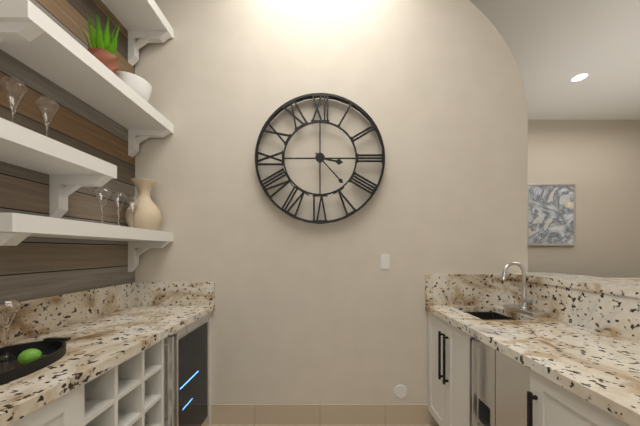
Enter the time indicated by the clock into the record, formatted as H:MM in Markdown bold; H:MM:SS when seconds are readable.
**3:23**
